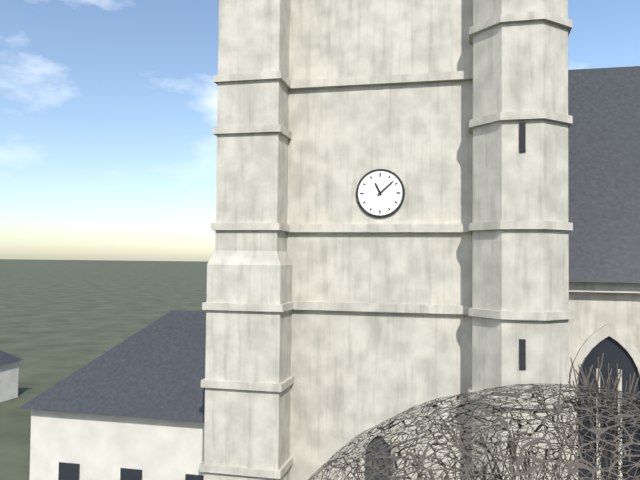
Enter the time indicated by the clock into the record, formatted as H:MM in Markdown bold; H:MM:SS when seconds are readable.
**11:08**
